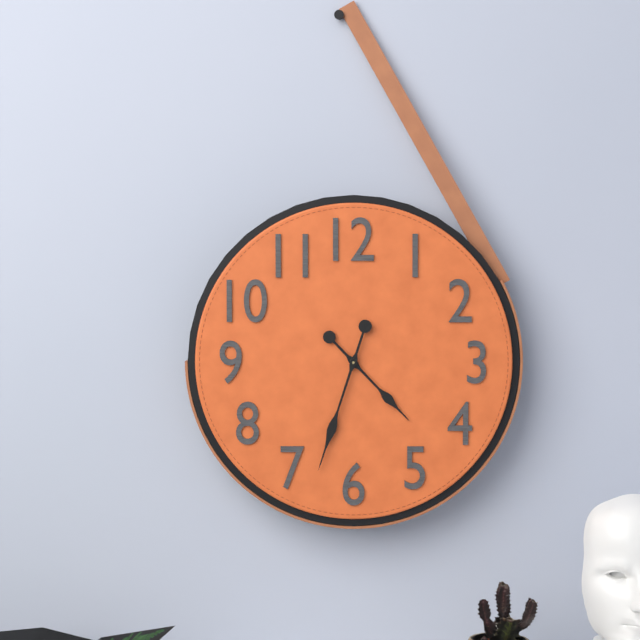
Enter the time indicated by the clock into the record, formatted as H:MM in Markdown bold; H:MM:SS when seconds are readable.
**4:33**
